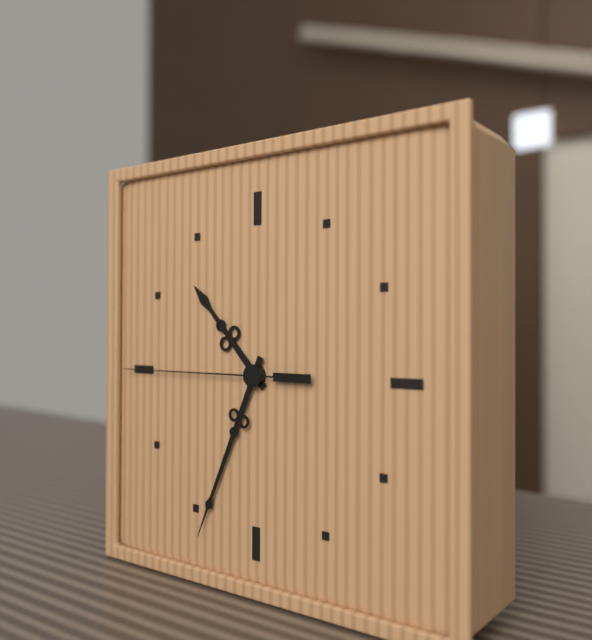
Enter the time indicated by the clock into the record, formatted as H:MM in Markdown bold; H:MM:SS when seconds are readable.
**10:34:45**
